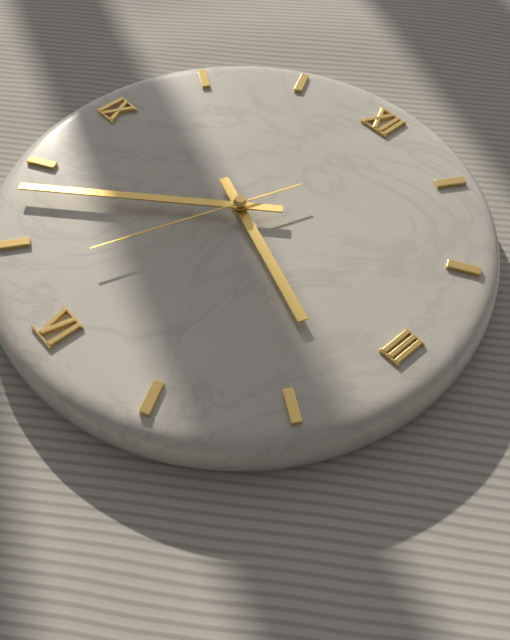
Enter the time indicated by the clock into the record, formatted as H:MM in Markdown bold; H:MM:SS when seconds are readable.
**3:38:33**
